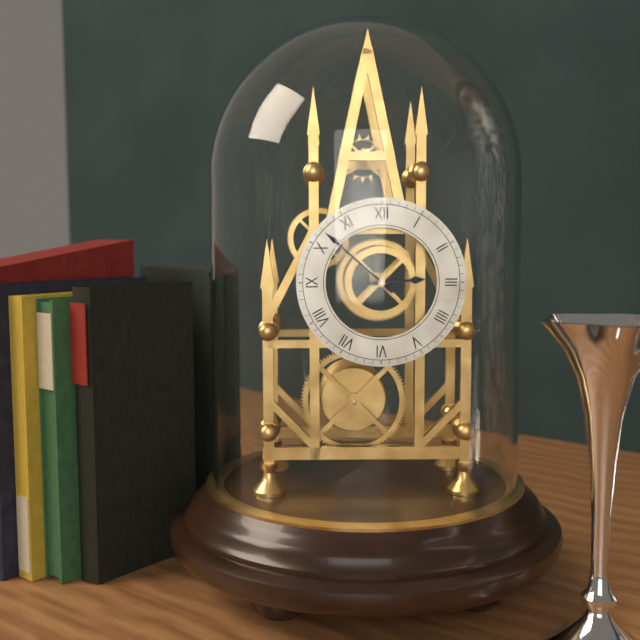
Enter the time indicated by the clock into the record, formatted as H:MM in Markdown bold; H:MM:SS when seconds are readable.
**2:52**
